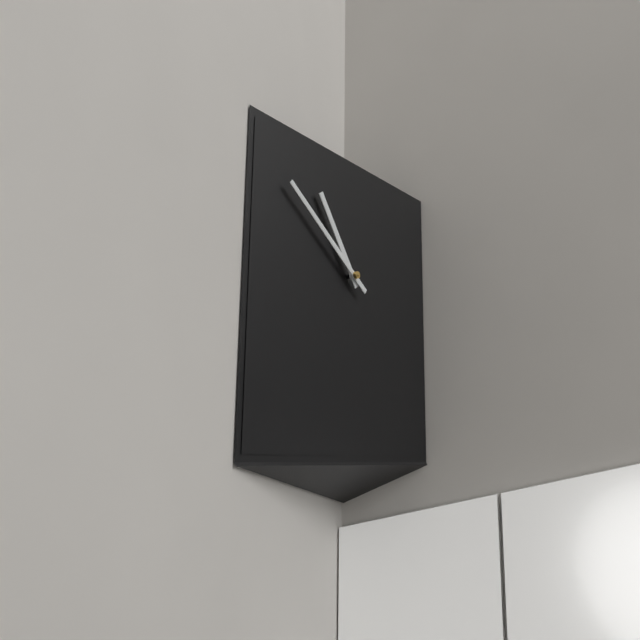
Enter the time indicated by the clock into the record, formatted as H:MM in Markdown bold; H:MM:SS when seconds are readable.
**10:51**
